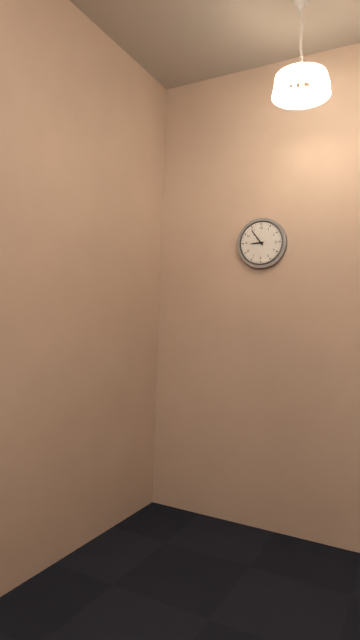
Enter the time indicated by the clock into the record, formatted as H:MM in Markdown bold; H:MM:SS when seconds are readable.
**8:54**
